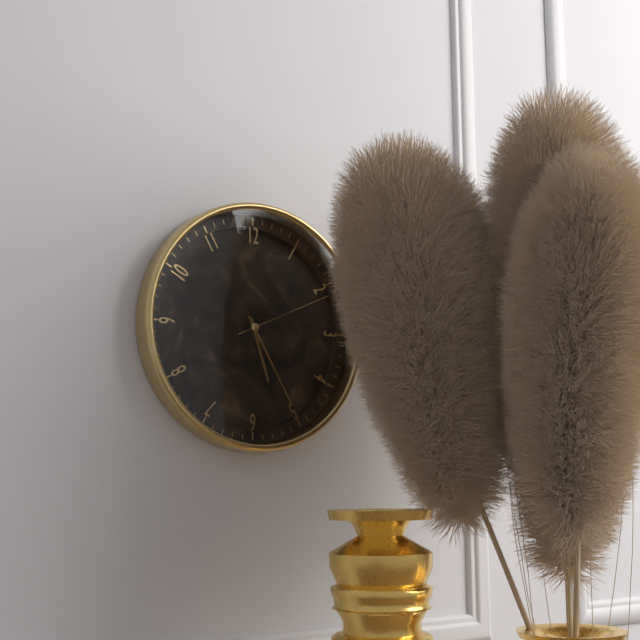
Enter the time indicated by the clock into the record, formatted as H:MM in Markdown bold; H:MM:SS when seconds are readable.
**5:25:11**
